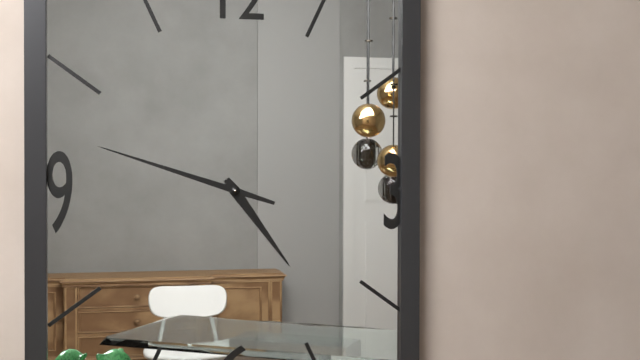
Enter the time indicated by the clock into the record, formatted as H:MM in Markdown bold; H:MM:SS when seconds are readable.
**4:48**
